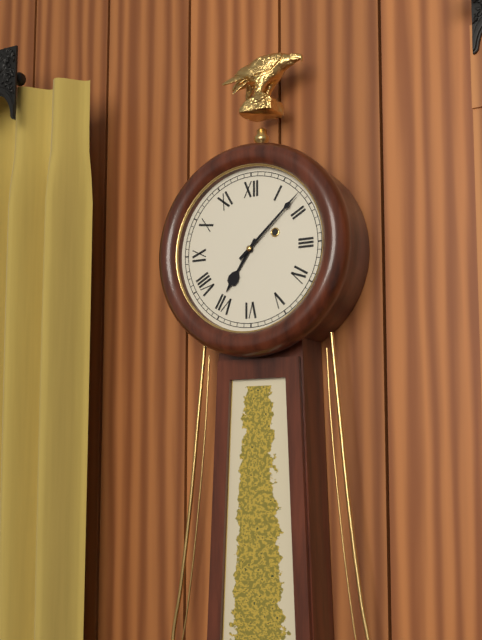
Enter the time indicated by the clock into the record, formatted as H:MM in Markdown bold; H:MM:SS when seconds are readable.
**7:08**
